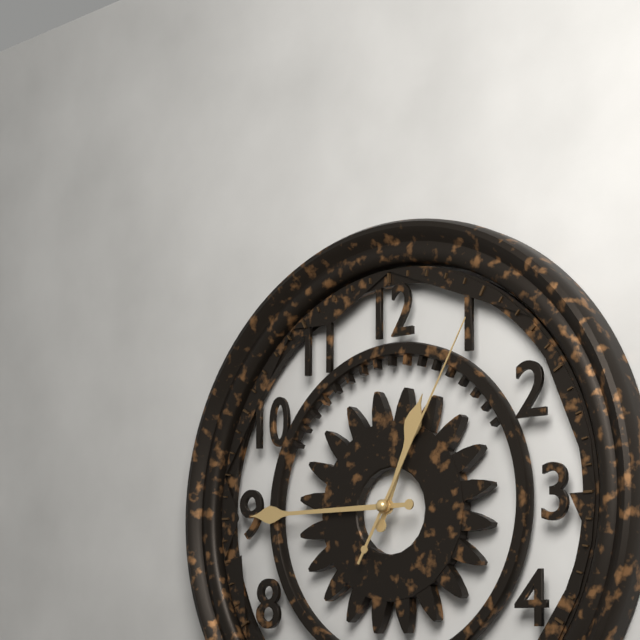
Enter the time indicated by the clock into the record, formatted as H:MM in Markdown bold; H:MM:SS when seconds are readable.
**12:45:05**
